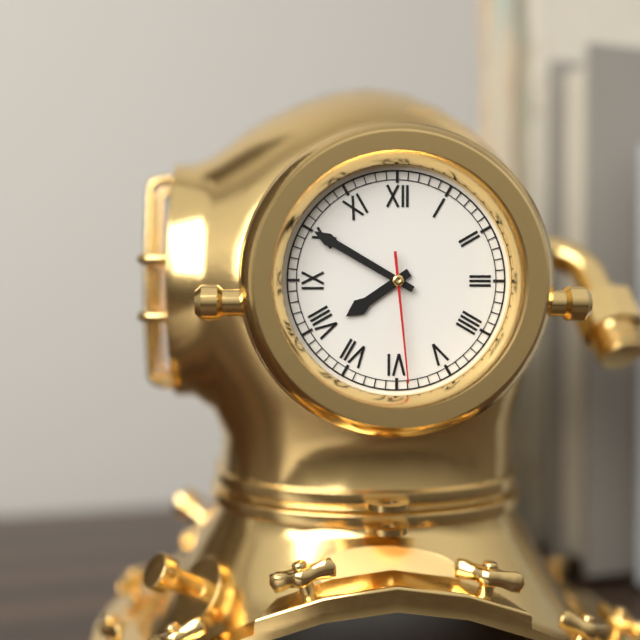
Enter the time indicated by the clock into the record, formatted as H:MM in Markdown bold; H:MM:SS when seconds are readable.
**7:50:29**
